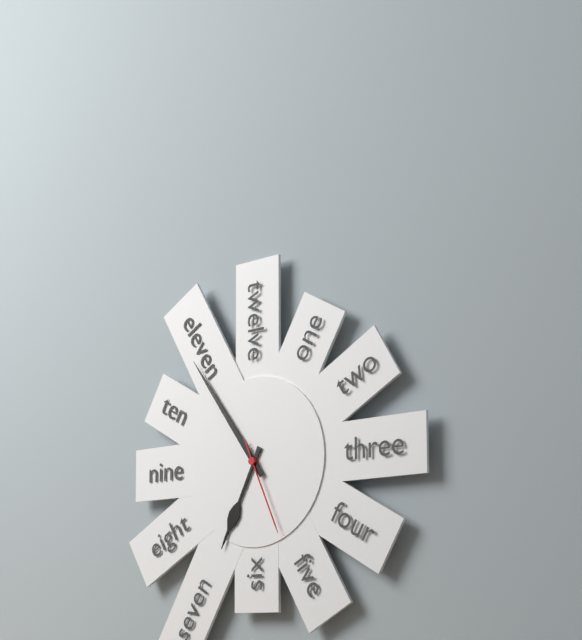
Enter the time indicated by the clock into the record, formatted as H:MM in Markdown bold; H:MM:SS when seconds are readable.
**6:54:26**
